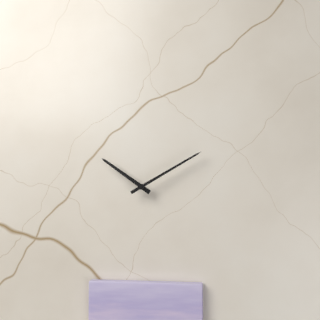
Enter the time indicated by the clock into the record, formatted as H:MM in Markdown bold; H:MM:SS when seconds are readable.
**10:10**
